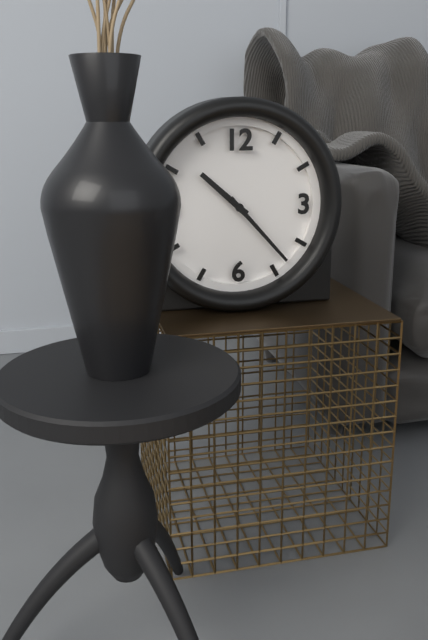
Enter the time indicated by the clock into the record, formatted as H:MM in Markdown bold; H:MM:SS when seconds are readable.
**10:23**
